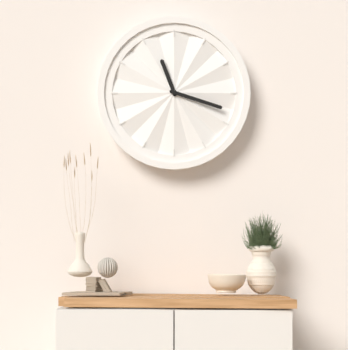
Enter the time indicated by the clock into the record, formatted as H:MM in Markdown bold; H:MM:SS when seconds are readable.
**11:18**
